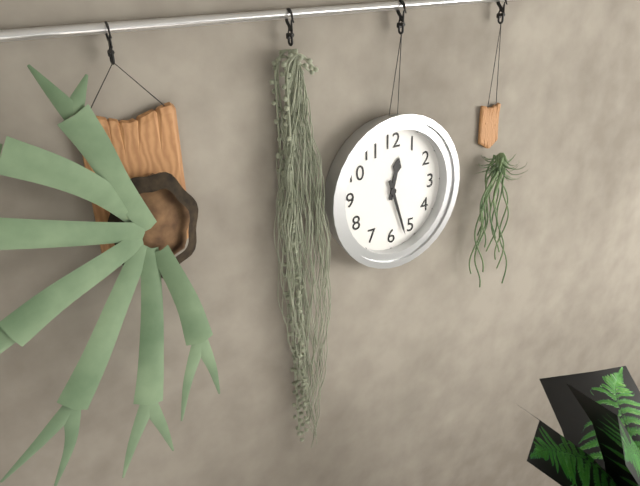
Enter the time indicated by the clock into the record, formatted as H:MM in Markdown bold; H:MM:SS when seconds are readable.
**12:27**
